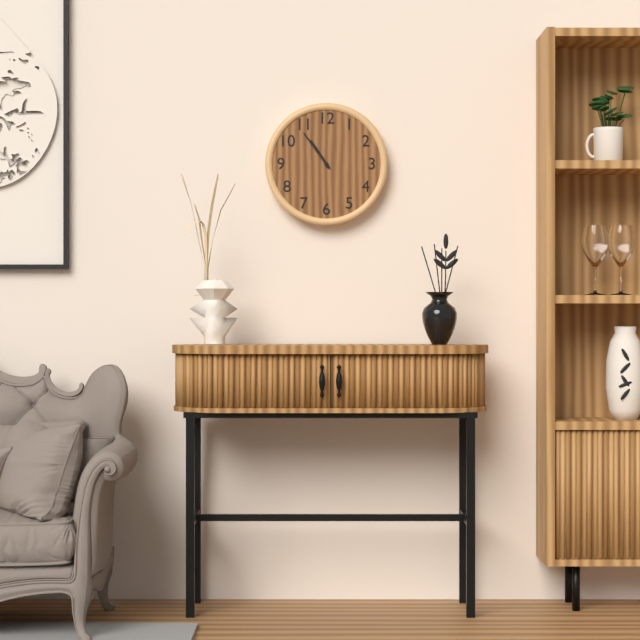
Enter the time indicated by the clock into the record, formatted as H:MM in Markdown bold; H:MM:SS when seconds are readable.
**10:54**
